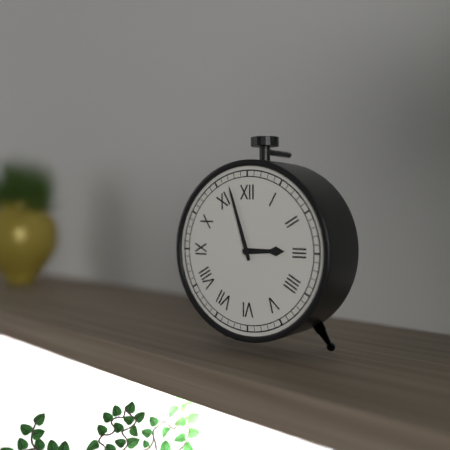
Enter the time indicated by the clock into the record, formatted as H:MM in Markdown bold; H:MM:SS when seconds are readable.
**2:57**
